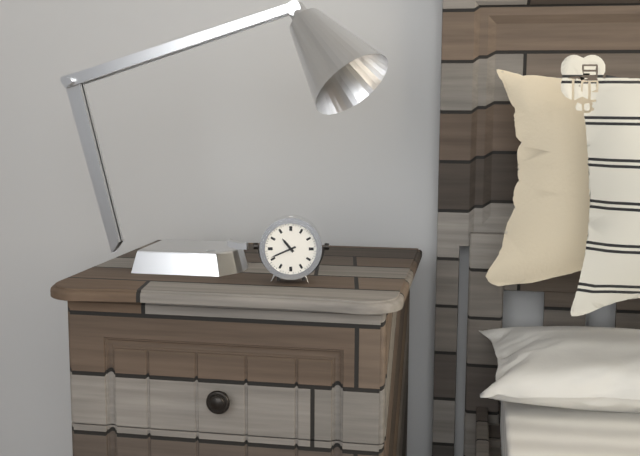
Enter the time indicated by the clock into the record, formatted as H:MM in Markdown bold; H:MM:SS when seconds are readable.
**10:41**
